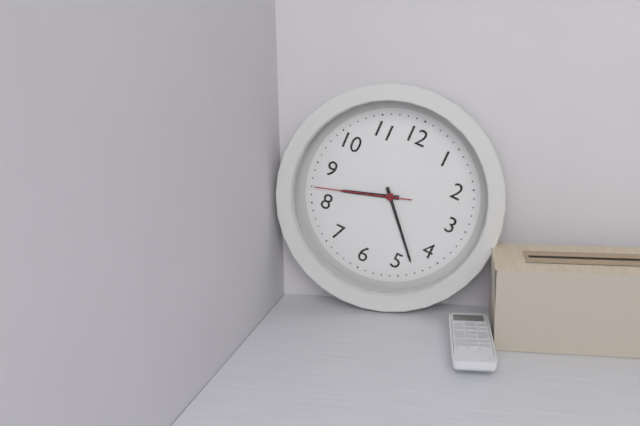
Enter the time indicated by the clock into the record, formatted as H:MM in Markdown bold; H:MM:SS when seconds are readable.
**8:23:42**
